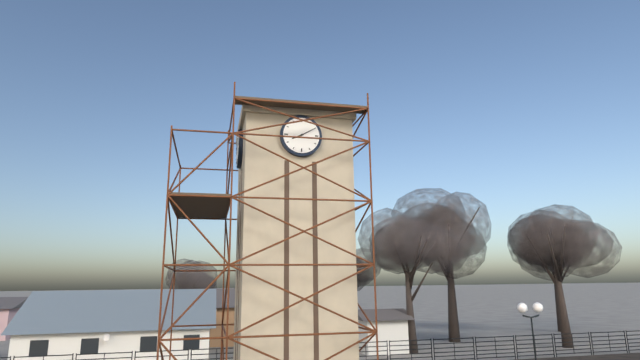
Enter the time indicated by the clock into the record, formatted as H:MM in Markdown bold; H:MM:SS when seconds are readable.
**8:10**
